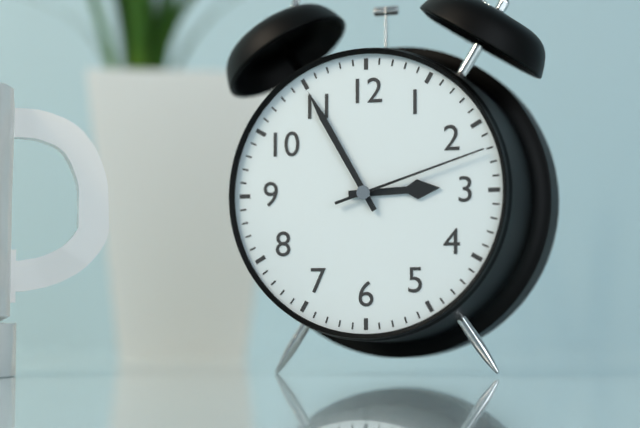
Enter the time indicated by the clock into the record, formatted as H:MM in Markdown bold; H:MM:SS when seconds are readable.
**2:55:12**
